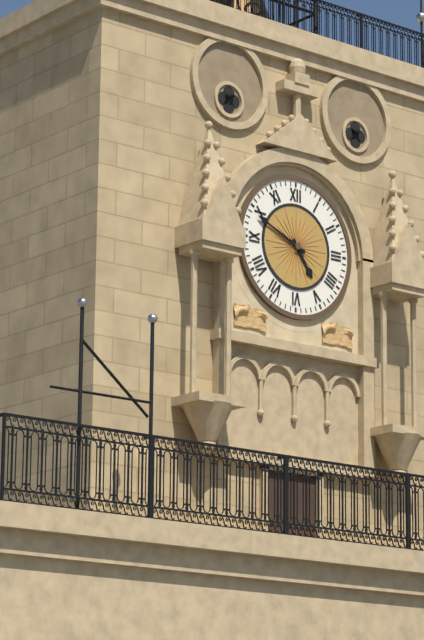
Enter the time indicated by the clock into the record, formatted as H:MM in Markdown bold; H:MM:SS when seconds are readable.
**4:49**
